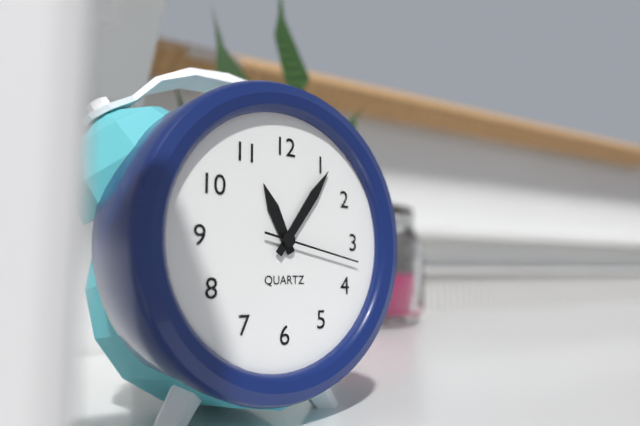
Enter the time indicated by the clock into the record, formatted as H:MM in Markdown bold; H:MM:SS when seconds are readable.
**11:06:17**
